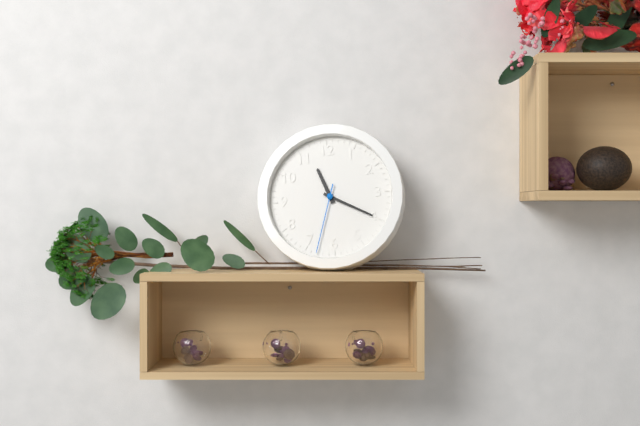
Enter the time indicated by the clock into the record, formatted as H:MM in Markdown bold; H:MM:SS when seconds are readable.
**11:20:33**
